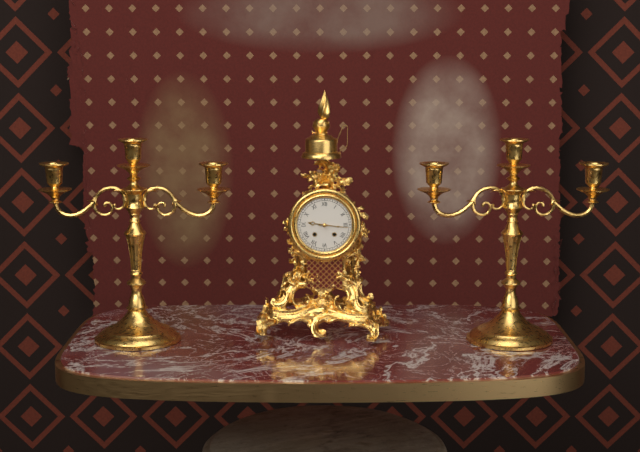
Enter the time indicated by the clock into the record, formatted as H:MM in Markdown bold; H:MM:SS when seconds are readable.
**9:16**
